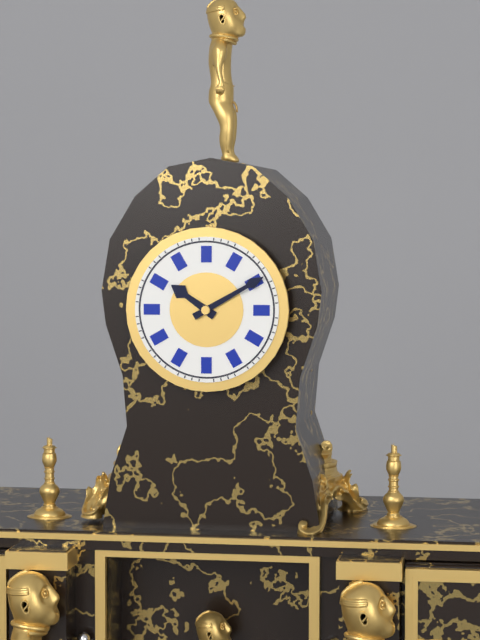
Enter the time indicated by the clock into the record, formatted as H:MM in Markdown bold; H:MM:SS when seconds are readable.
**10:10**
